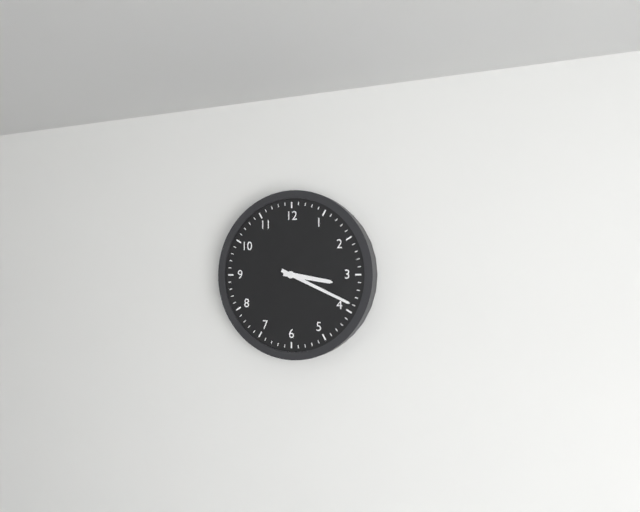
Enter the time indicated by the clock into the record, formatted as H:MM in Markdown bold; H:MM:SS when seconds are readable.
**3:19**
